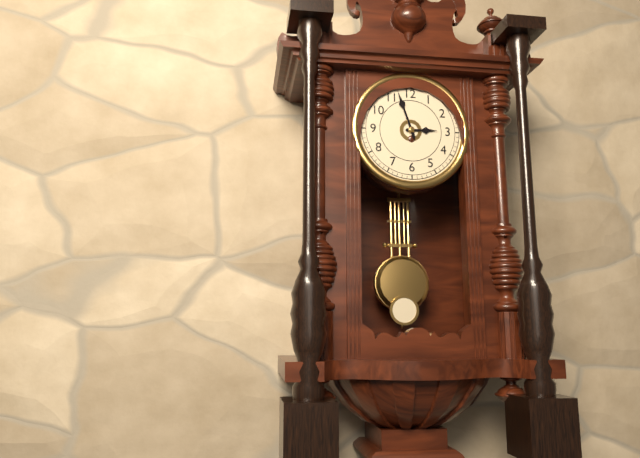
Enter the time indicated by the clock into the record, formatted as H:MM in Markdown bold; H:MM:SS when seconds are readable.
**2:57**
